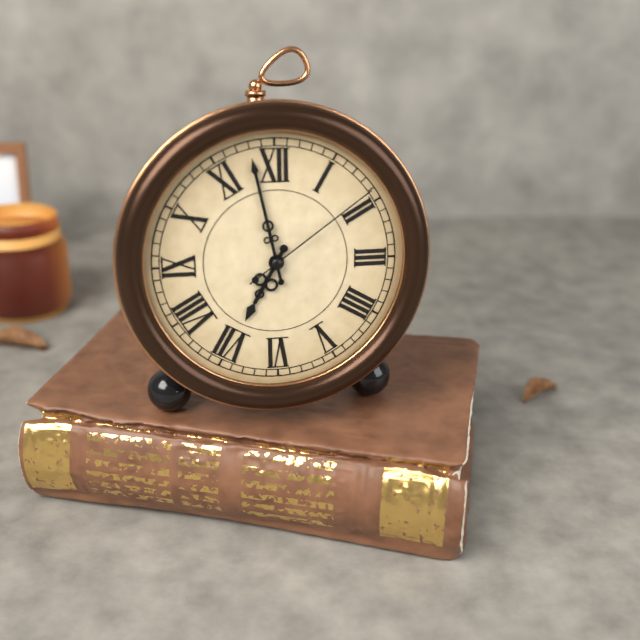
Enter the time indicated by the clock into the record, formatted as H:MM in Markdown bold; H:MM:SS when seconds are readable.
**6:58:09**
